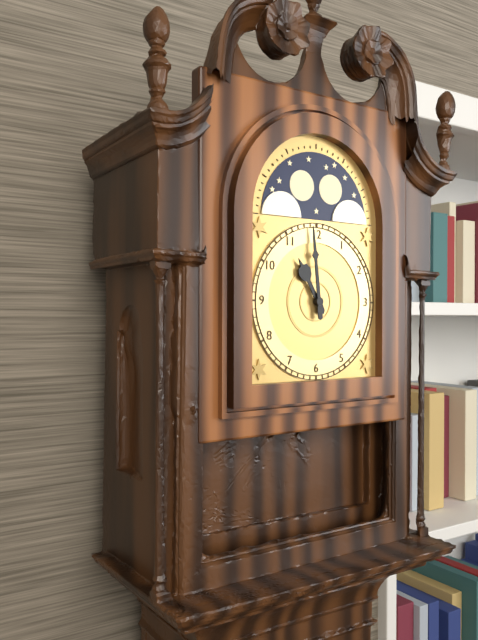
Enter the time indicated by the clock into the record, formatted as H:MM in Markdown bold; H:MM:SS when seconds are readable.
**10:59**
